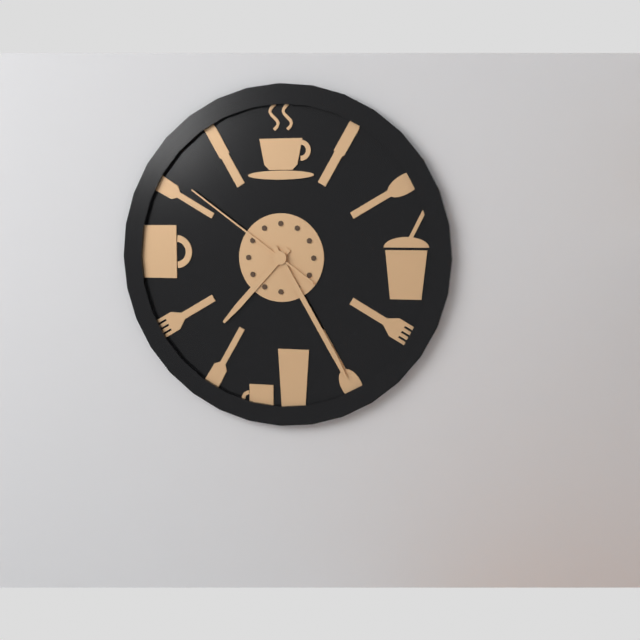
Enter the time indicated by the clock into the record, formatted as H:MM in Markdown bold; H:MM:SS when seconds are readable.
**7:25:51**
